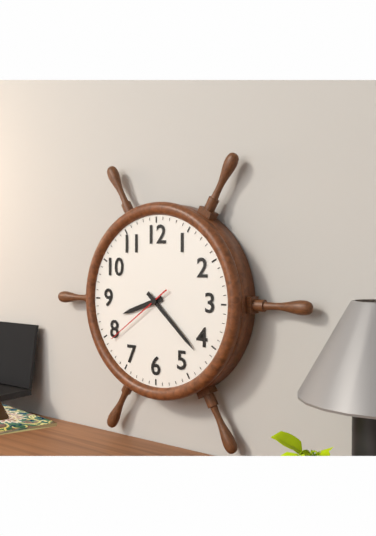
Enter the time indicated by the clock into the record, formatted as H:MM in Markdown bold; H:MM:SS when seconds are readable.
**8:22:39**
